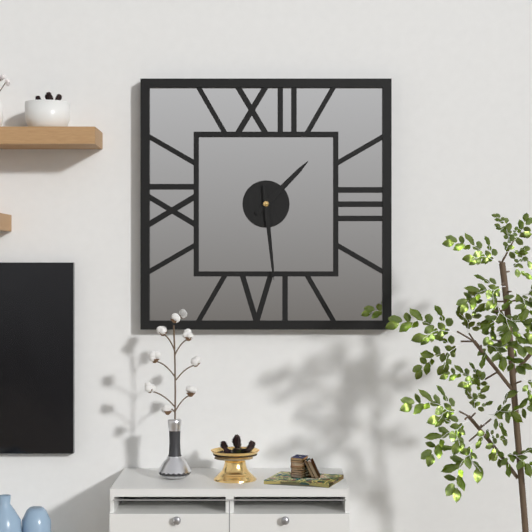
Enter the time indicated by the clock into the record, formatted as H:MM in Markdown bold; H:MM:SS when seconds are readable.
**1:29**
